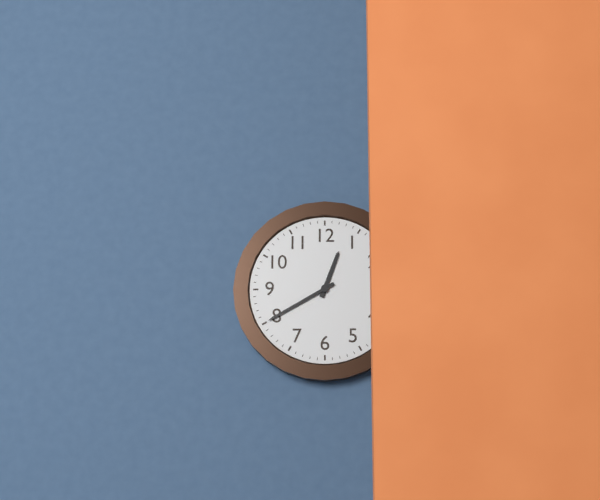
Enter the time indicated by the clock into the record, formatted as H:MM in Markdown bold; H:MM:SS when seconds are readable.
**12:40**
